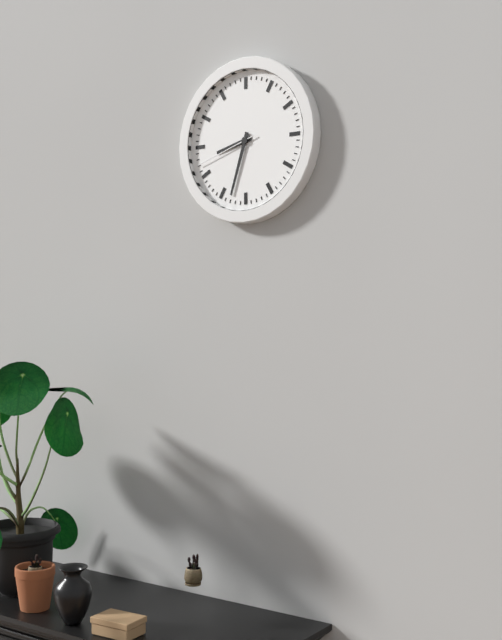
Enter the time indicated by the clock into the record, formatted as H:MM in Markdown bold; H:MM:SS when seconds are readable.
**8:33:42**
